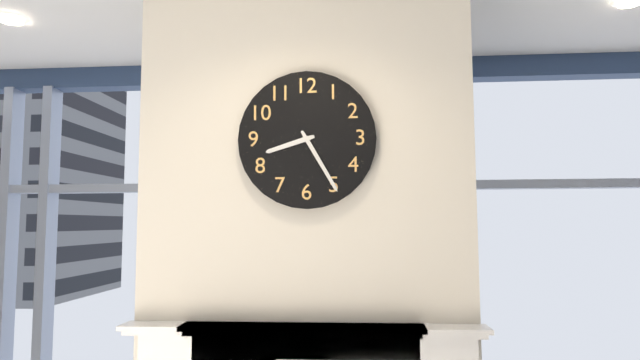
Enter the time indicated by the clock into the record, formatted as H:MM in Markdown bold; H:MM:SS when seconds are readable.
**8:25**
